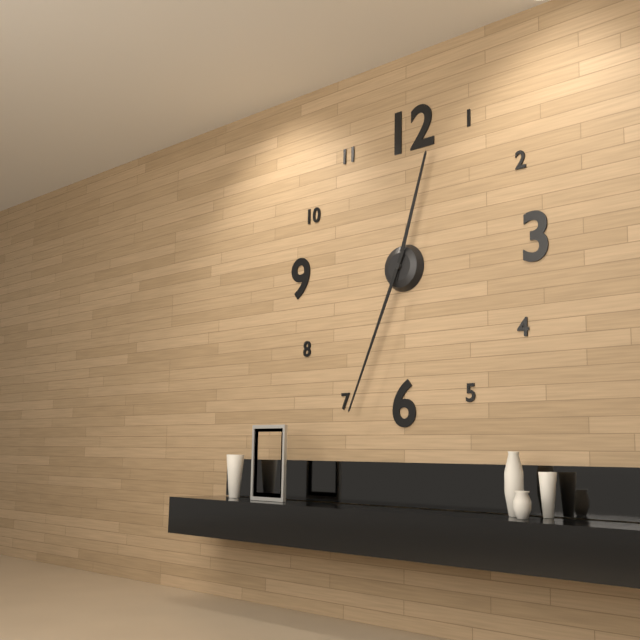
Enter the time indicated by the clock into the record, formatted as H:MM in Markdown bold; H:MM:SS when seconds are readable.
**12:34**
